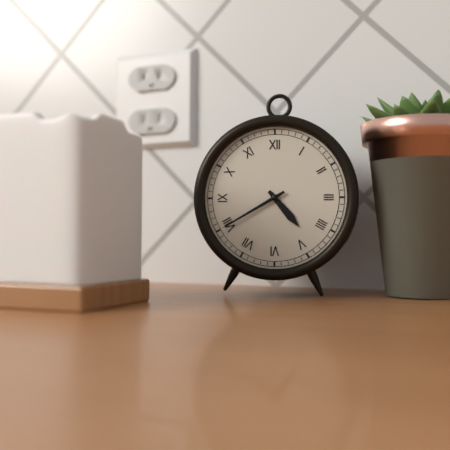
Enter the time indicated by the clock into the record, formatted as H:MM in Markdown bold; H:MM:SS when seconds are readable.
**4:40**
